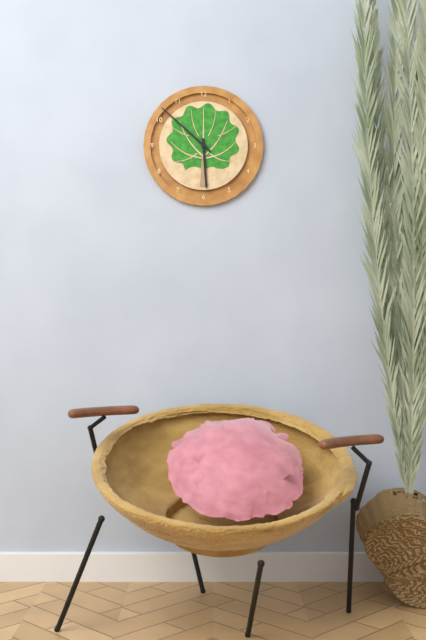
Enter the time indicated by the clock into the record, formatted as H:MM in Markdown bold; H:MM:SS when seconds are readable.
**5:52**
